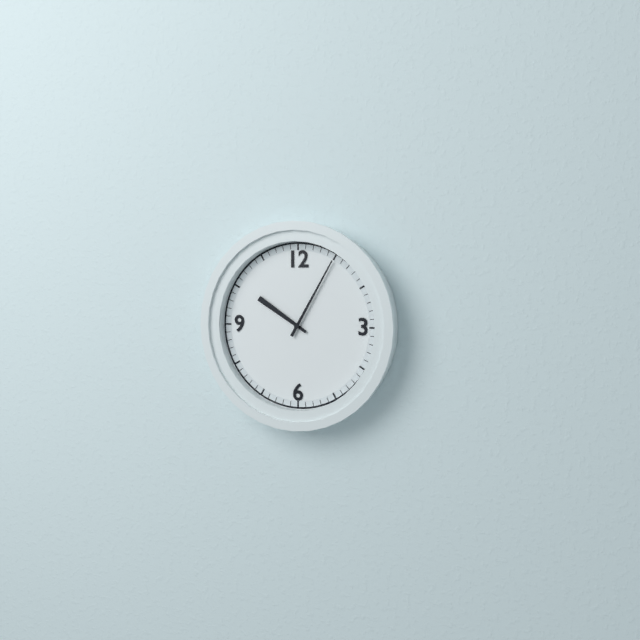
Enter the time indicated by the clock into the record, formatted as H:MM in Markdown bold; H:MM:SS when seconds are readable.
**10:05**
